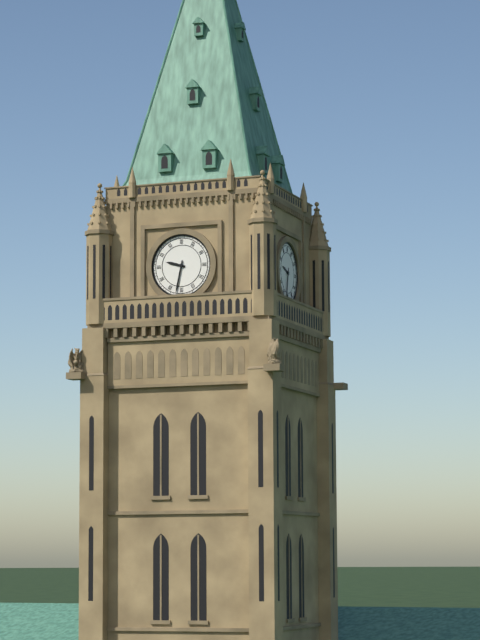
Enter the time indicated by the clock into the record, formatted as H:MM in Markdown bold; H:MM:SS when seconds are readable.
**9:32**
